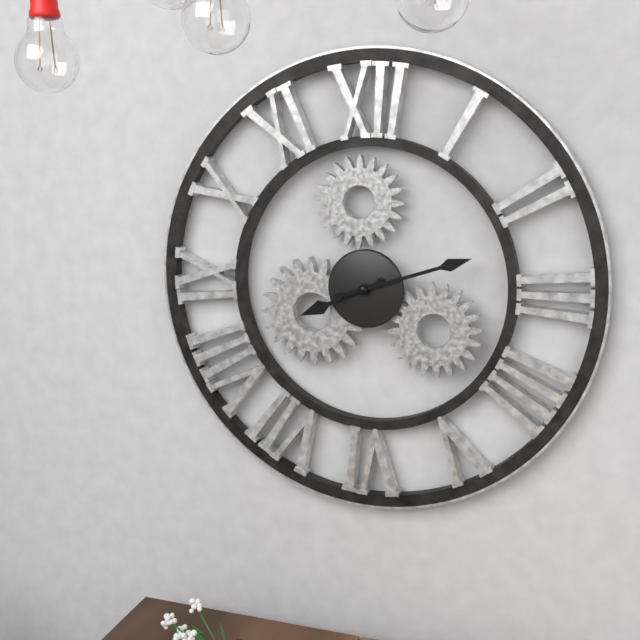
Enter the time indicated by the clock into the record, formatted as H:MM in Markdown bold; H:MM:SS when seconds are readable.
**8:12**
